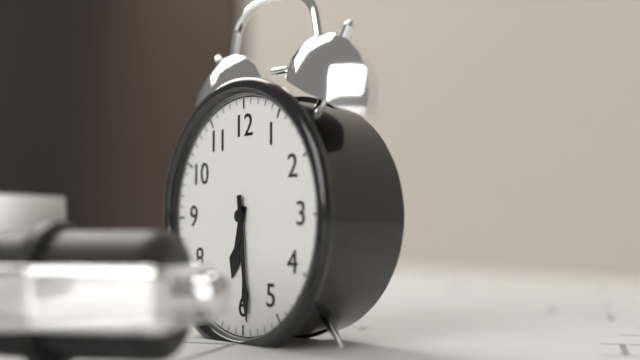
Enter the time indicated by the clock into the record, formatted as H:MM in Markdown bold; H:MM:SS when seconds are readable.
**6:29**
